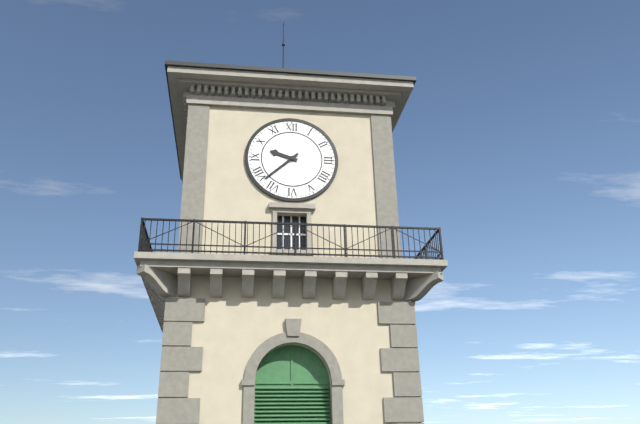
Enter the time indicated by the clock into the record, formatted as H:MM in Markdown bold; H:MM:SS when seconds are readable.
**9:38**
